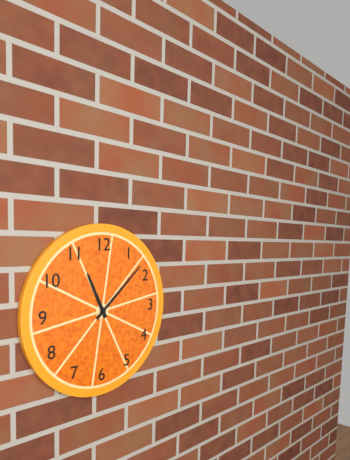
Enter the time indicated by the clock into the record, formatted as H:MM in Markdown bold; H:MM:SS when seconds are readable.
**11:08**
